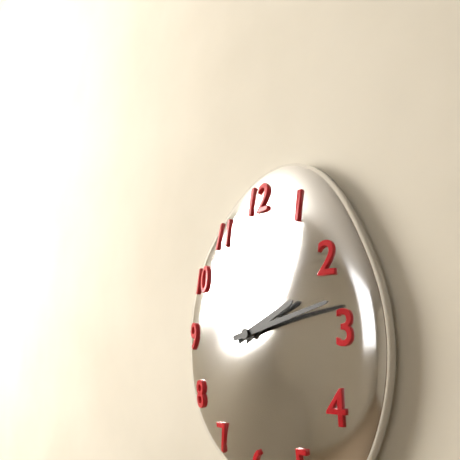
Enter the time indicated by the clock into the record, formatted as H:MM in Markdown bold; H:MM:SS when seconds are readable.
**2:13**
